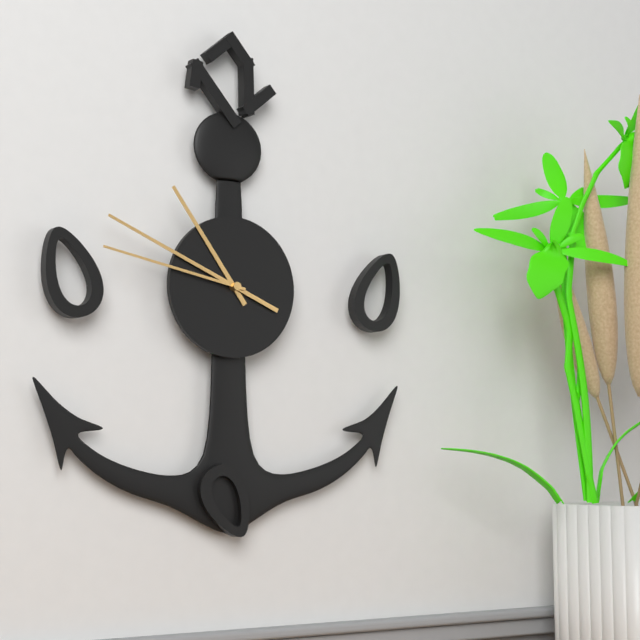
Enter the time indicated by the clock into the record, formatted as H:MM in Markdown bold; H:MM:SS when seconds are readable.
**10:49:47**
